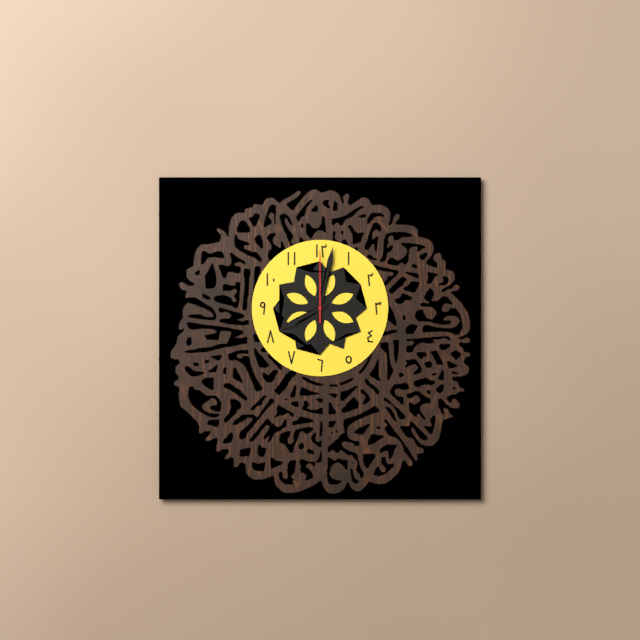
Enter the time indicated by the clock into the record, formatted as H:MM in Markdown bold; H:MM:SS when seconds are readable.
**8:02:00**
